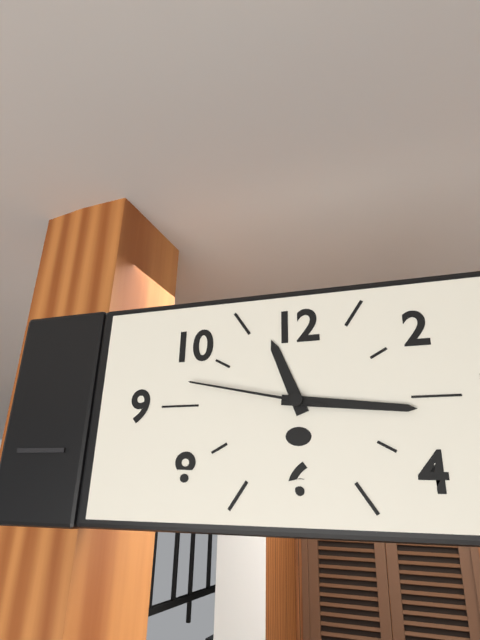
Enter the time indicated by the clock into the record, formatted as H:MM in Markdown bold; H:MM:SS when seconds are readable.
**11:16:47**
